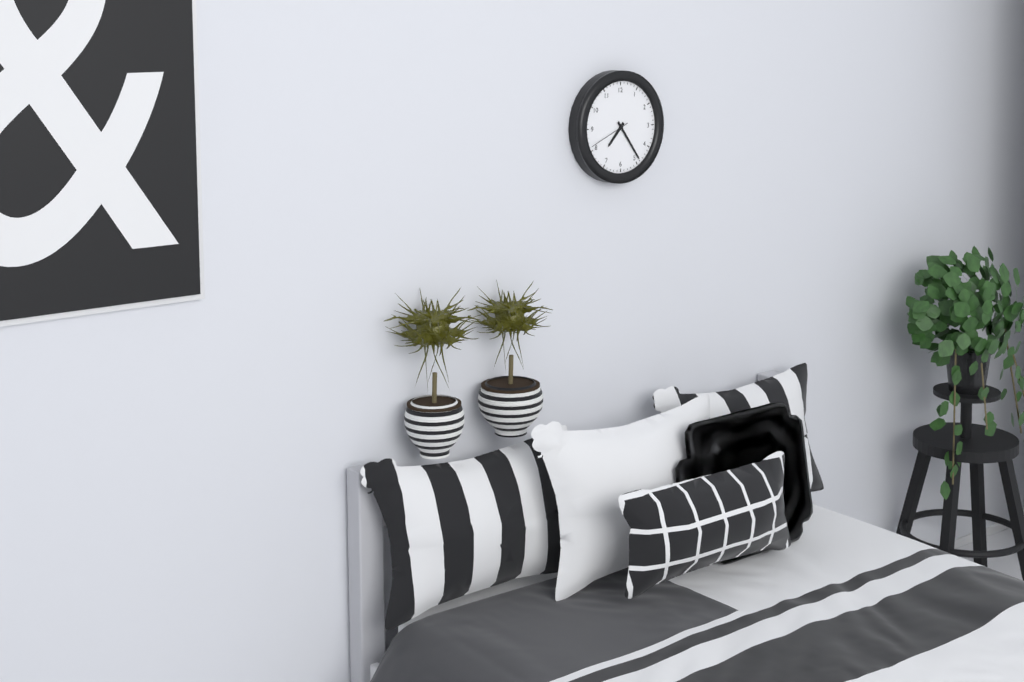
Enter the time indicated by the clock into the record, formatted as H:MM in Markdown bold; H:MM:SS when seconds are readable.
**7:24**
